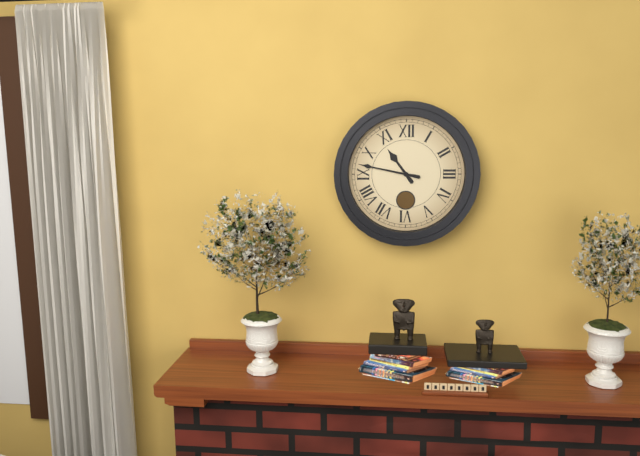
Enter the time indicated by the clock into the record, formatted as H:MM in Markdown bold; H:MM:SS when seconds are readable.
**10:47**
